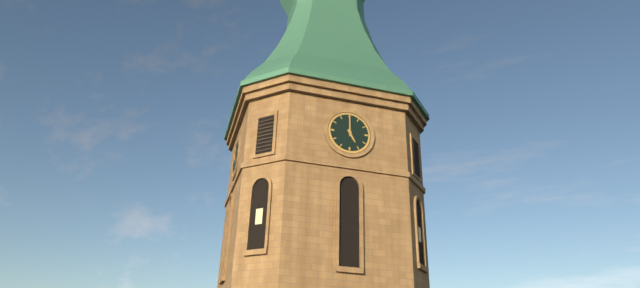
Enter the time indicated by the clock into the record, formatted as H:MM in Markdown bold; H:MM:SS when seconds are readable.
**5:00**
